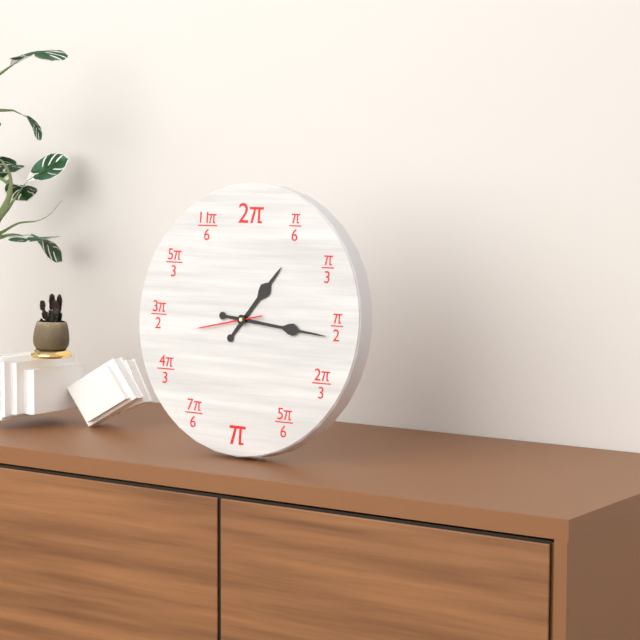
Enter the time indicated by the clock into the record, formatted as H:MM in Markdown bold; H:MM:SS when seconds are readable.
**1:16:43**
